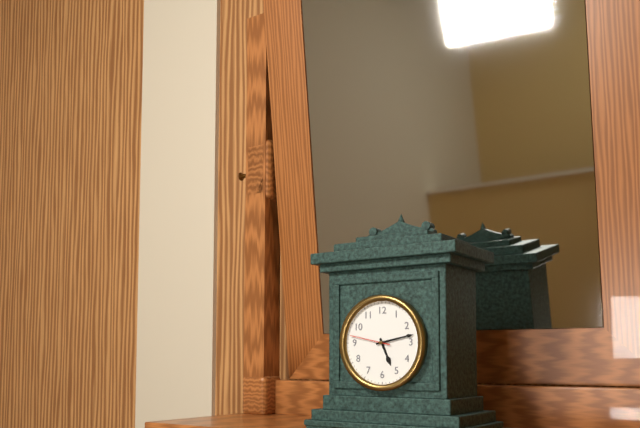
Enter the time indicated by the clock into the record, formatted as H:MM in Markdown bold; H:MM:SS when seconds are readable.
**5:13**
